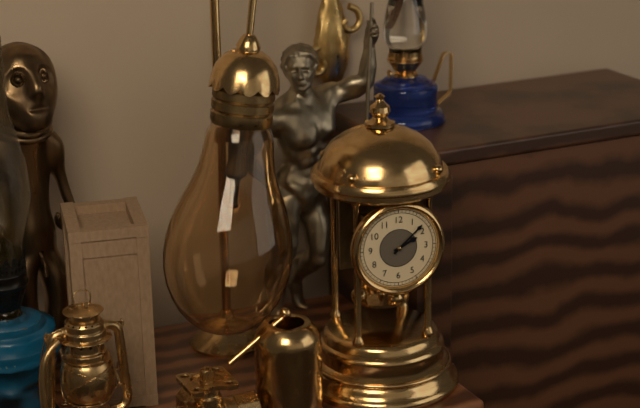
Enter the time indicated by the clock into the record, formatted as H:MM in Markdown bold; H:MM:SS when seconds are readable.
**2:08**
